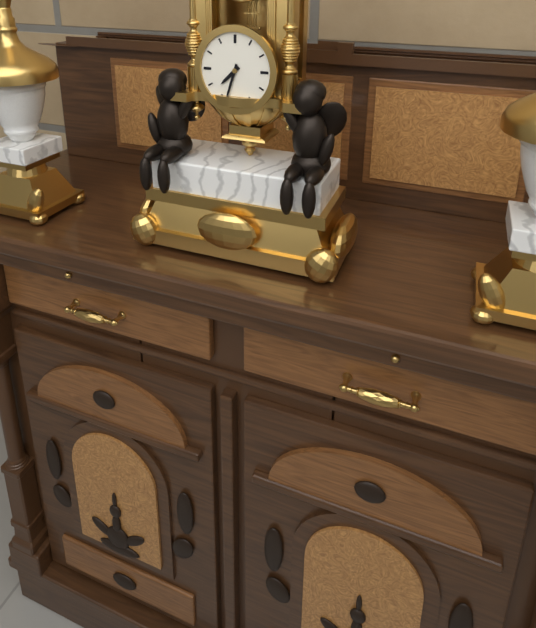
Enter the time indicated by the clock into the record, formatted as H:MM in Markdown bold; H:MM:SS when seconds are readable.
**7:33**
